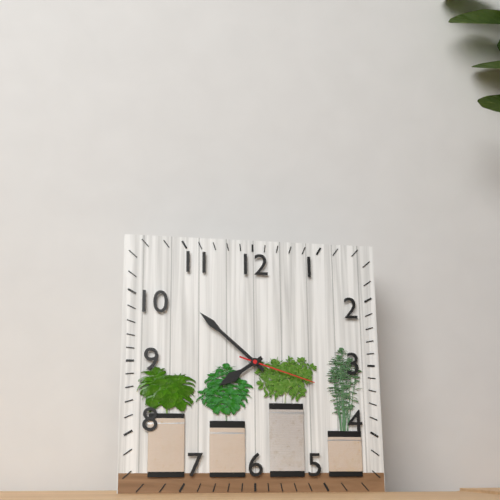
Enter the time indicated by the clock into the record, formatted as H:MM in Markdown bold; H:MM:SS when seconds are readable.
**7:52:18**
